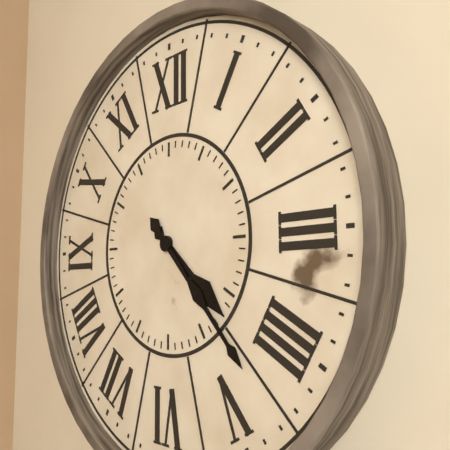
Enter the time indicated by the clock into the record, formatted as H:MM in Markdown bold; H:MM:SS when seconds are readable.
**4:23**
